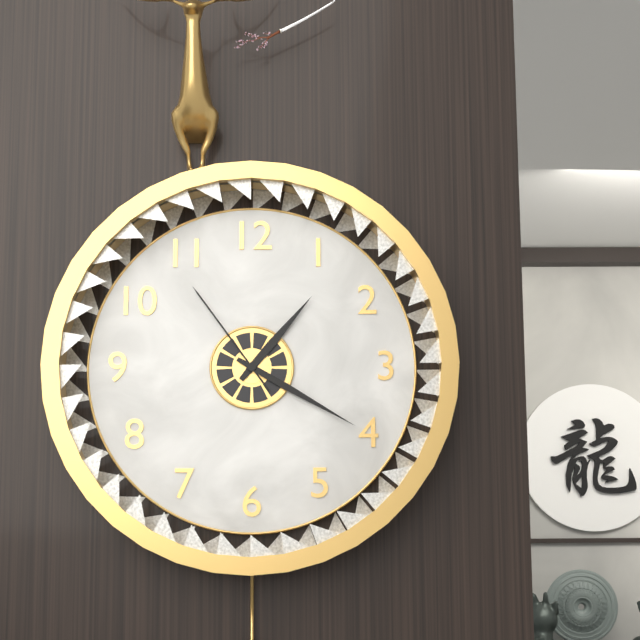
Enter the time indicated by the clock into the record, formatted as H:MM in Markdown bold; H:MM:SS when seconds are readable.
**1:20:54**
